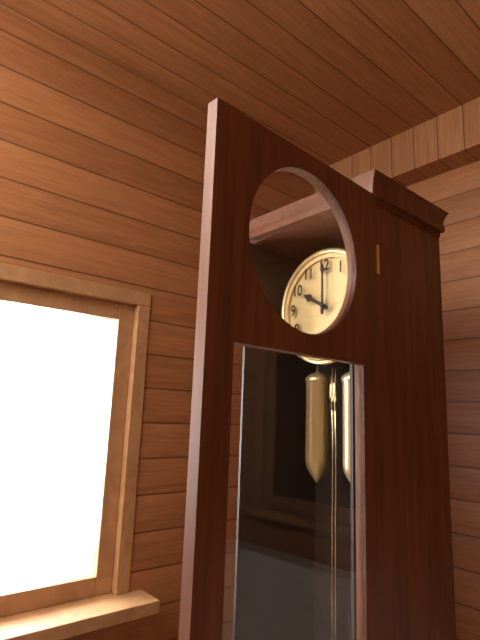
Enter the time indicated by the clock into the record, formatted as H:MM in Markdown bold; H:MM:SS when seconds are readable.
**10:00**
